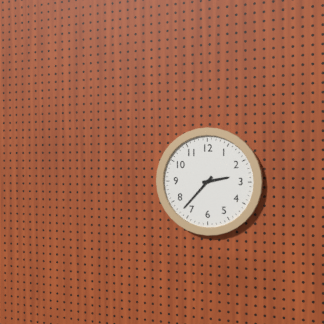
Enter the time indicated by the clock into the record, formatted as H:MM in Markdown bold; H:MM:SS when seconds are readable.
**2:37**
